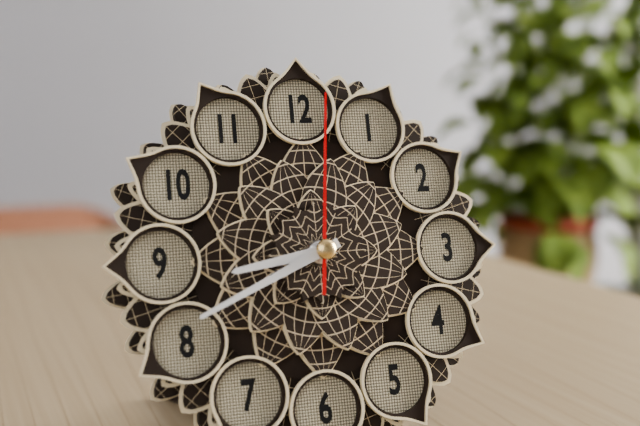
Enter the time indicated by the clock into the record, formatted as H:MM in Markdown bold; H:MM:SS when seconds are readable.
**8:41:01**
